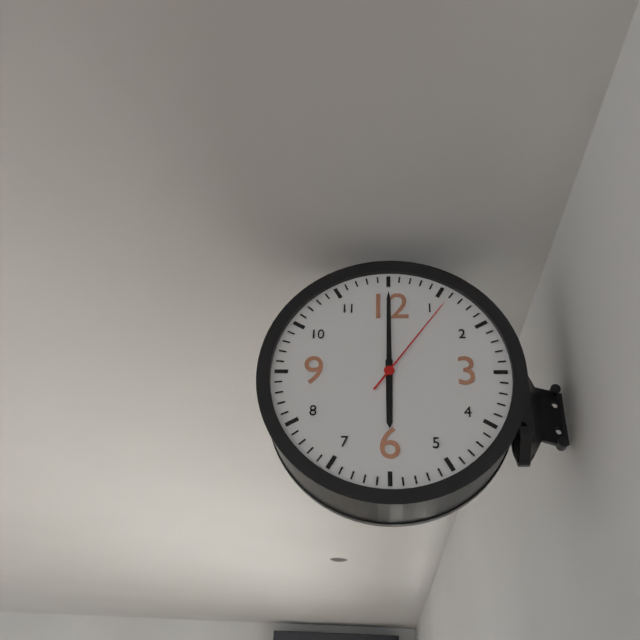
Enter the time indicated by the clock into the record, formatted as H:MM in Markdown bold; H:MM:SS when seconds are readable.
**6:00:06**
